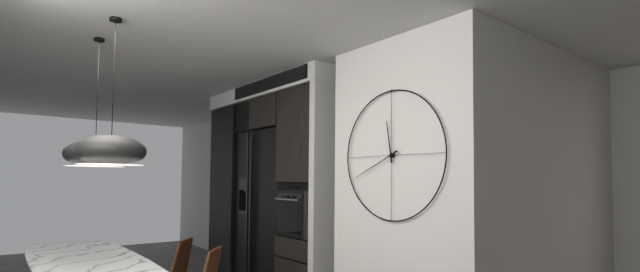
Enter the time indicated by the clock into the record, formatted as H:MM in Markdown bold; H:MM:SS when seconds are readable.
**11:41**
